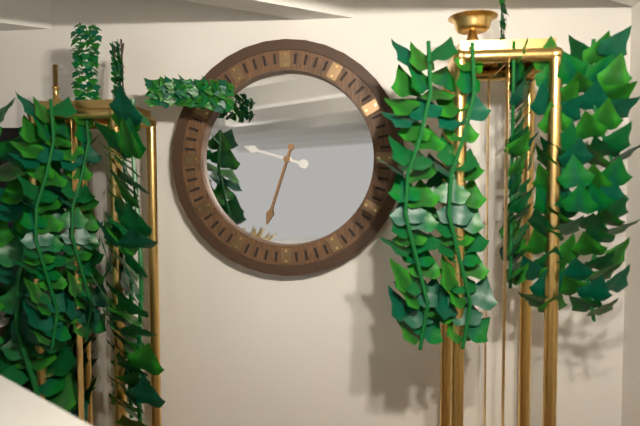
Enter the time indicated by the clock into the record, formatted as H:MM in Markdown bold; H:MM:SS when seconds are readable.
**9:33**
